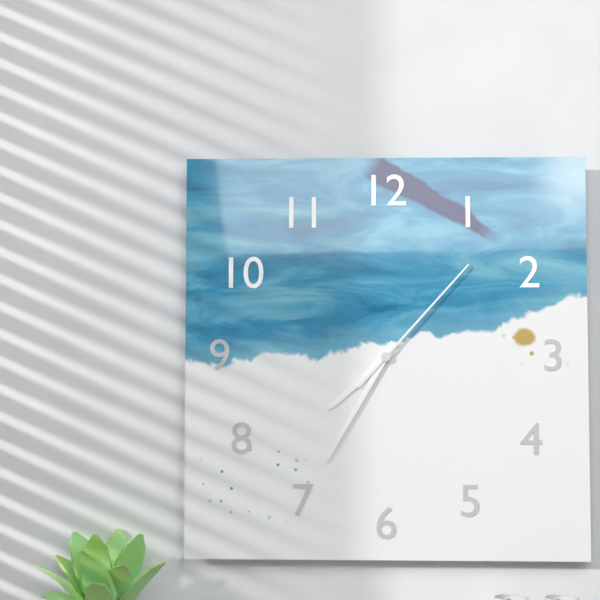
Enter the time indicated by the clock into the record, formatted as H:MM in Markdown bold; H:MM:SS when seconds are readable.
**7:35:07**
